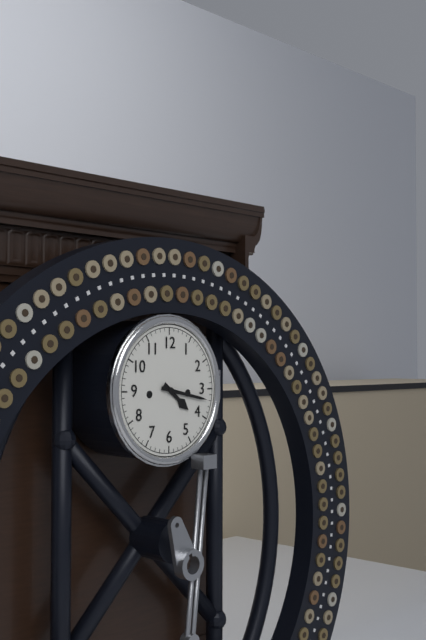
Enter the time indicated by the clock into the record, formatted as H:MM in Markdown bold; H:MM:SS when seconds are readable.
**4:17**
